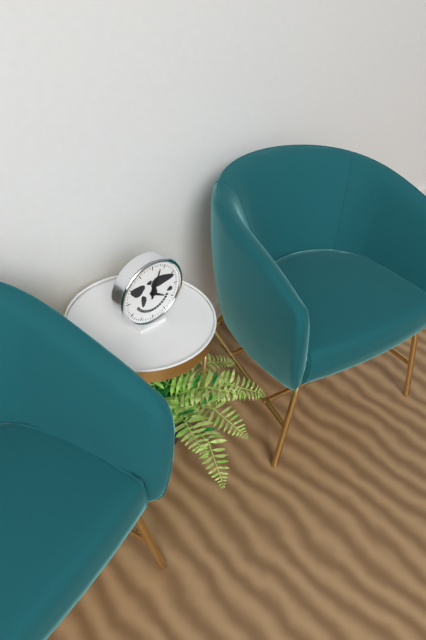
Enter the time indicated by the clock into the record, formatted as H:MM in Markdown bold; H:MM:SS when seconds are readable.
**4:03**
